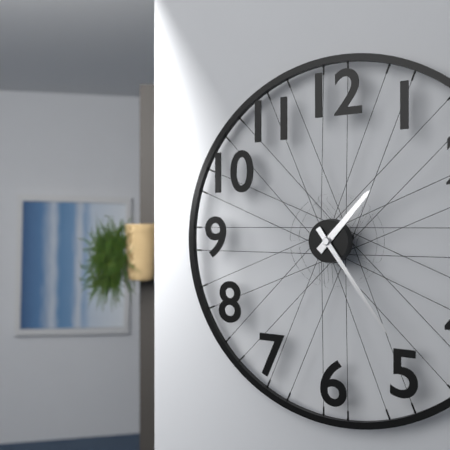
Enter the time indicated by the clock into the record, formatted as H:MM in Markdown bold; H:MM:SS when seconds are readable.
**1:24**
